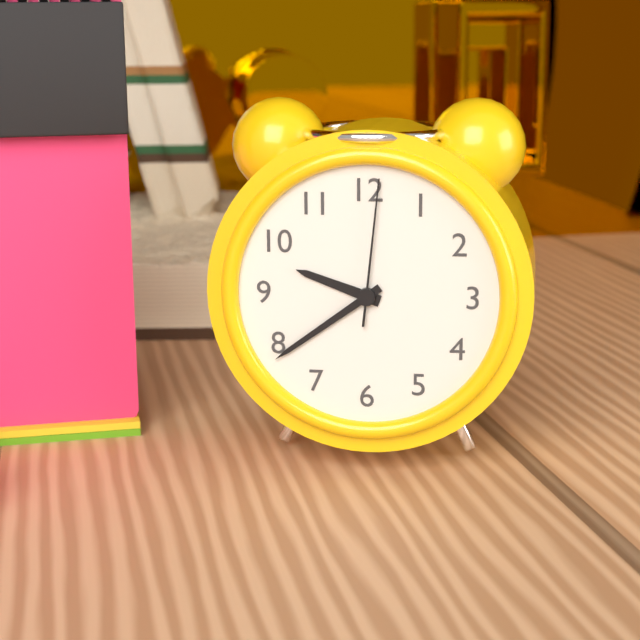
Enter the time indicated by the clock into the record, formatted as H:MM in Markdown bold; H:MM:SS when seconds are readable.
**9:39:01**
